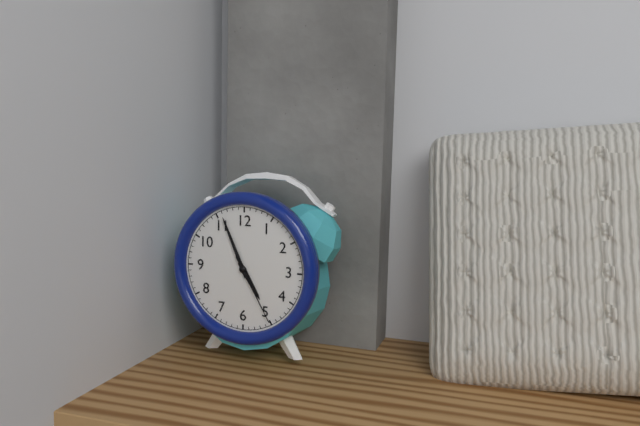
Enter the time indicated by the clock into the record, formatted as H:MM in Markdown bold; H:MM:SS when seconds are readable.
**4:56:25**
